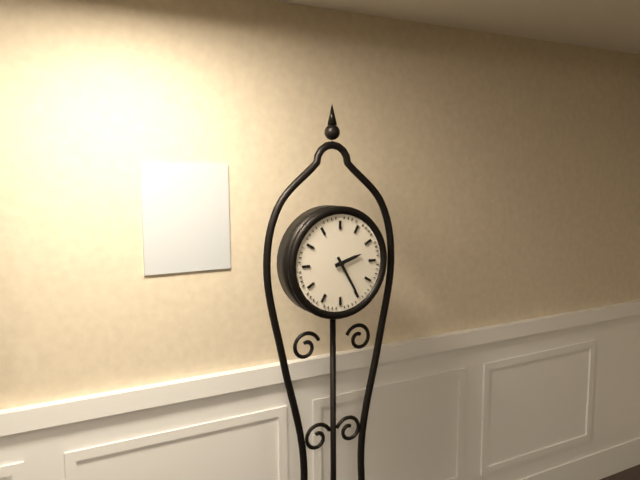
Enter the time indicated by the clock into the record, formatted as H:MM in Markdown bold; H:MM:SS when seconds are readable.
**2:25**
